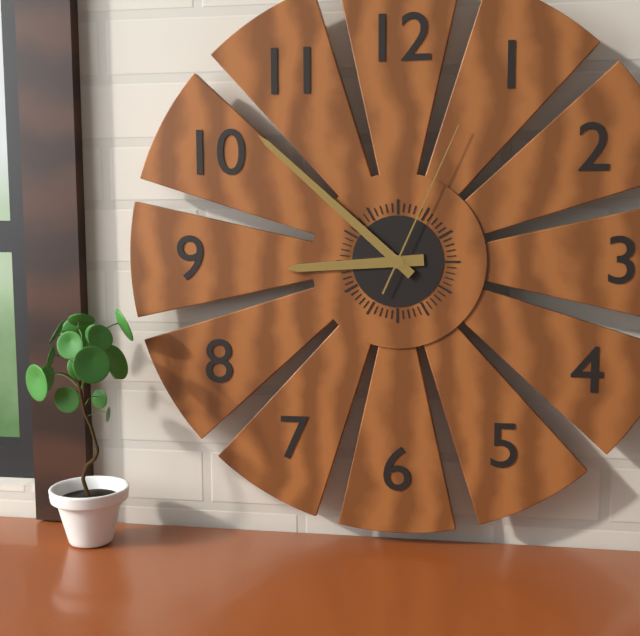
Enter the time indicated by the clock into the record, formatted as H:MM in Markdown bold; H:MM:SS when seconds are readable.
**8:52:04**
